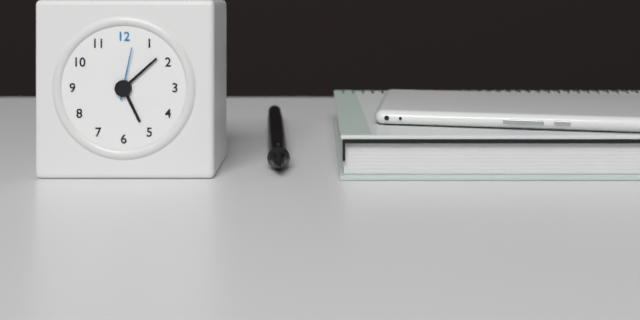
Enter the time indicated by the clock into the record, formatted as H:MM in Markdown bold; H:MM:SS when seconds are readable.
**5:08:02**
